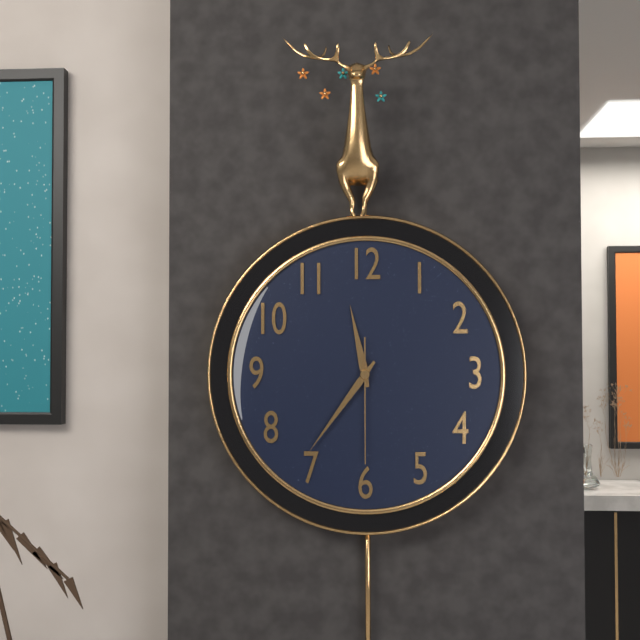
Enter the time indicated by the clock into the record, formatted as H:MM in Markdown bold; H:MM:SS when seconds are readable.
**11:36:30**
